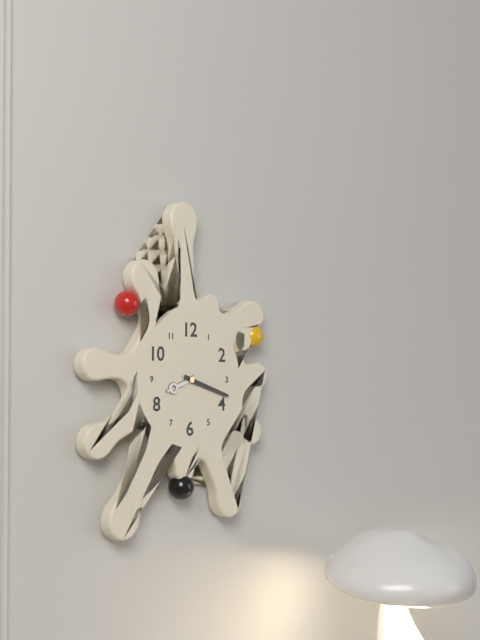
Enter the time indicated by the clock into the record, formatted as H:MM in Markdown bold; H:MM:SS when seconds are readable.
**8:18**
